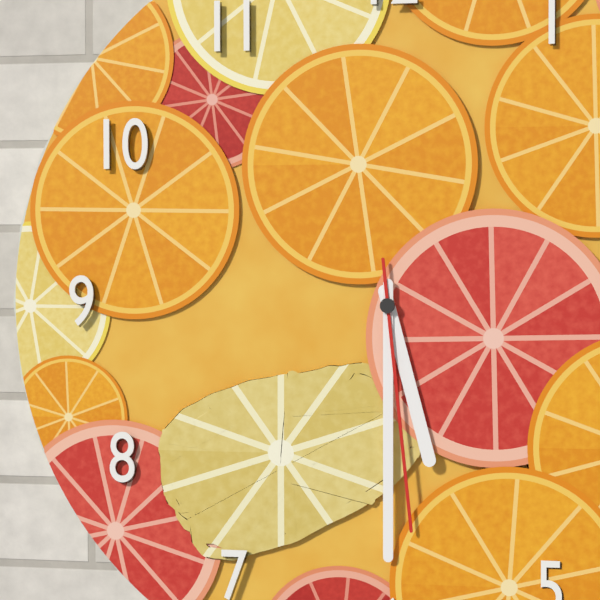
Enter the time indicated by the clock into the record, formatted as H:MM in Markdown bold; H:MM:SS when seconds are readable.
**5:30:29**
